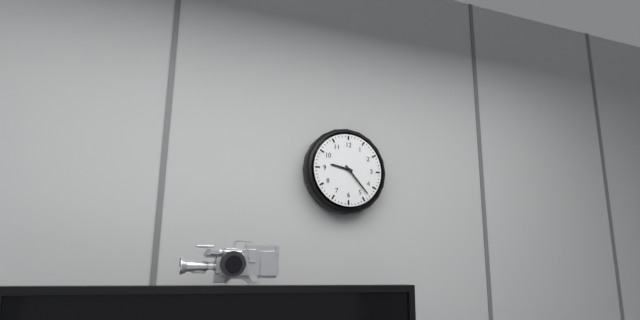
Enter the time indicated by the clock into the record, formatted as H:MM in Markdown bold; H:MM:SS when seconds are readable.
**9:23**
